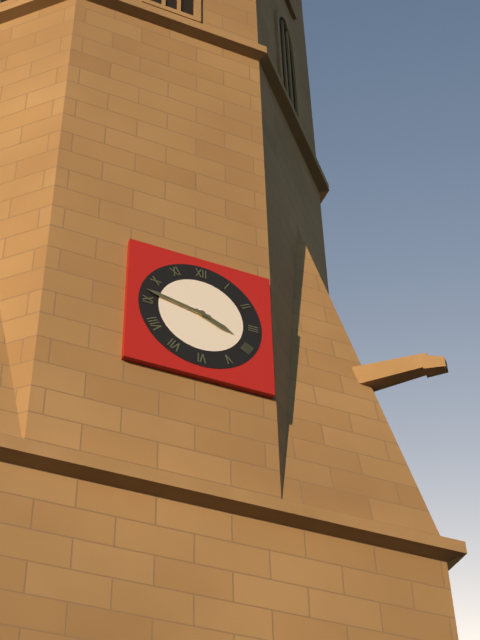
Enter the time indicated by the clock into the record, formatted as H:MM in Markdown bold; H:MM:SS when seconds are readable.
**3:47**
